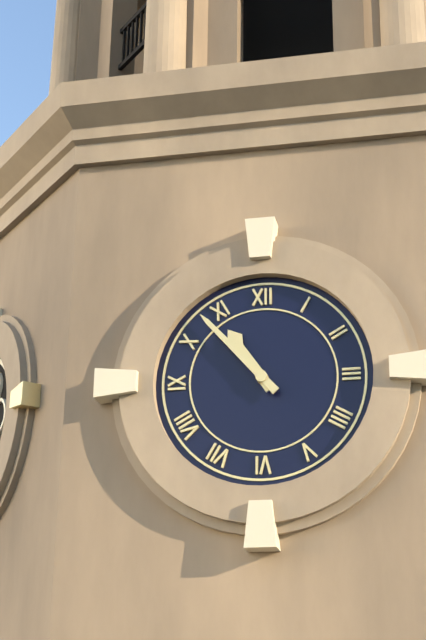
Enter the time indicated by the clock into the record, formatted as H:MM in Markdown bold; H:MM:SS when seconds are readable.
**10:53**
